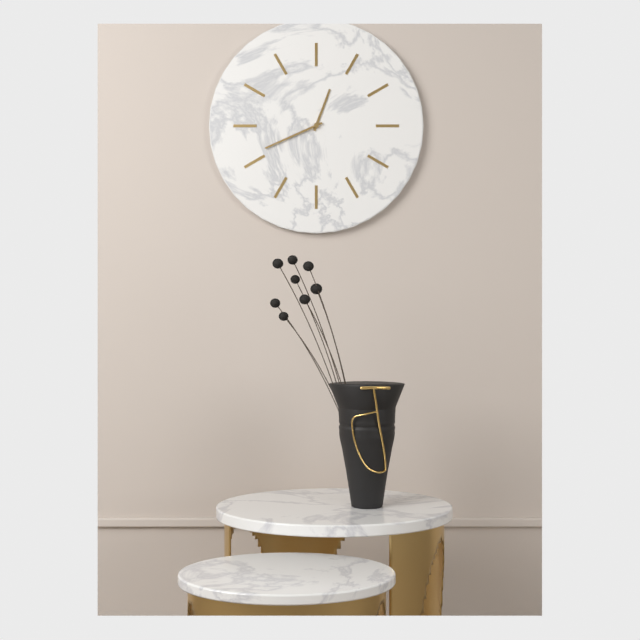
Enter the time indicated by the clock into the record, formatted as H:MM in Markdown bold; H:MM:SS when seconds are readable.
**12:41**
